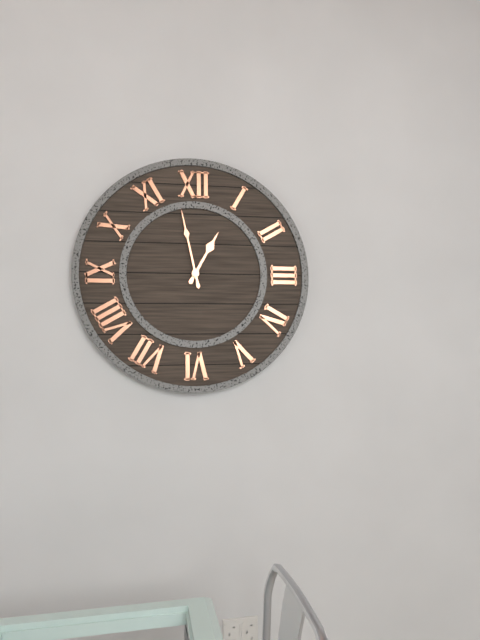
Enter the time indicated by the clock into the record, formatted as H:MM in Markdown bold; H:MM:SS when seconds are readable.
**12:58**
